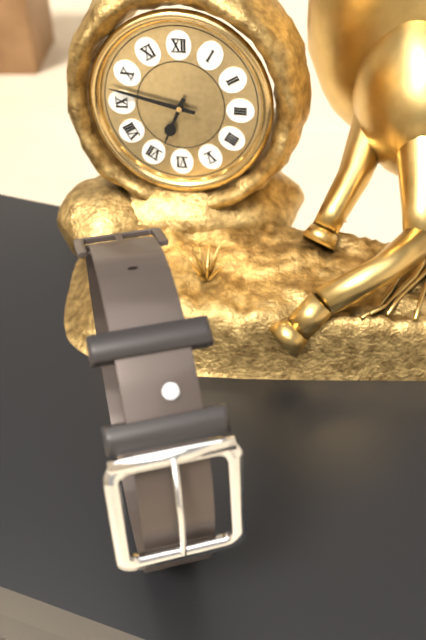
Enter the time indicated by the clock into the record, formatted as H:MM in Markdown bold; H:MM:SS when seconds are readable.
**6:47**
